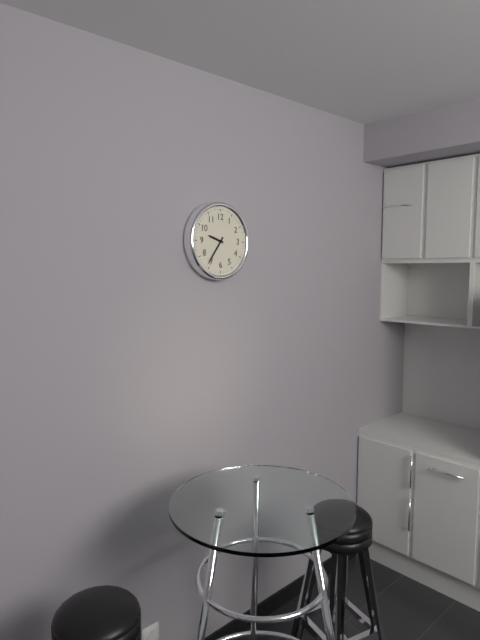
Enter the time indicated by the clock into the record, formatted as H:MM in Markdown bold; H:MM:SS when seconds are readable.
**9:36**
